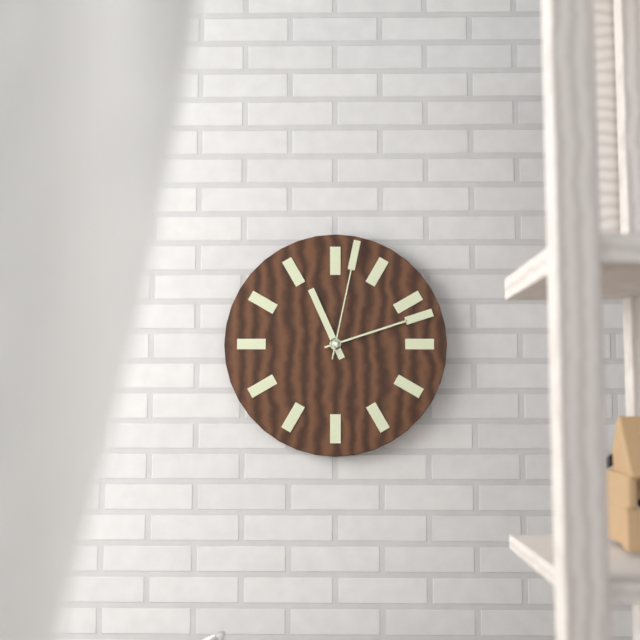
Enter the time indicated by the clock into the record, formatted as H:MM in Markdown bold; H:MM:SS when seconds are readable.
**11:12:02**
